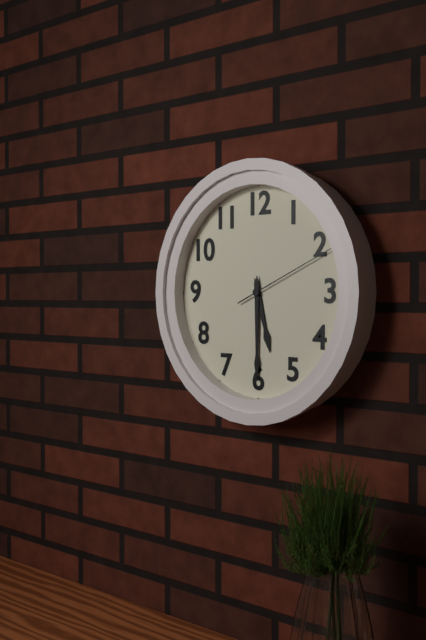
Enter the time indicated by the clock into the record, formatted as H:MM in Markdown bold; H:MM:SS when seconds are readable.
**5:30:11**
